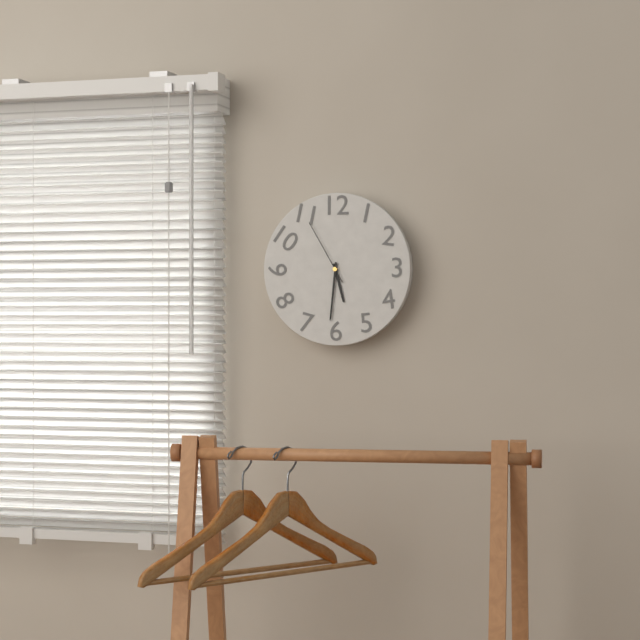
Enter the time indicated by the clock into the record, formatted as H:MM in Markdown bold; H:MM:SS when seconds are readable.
**5:31:55**
